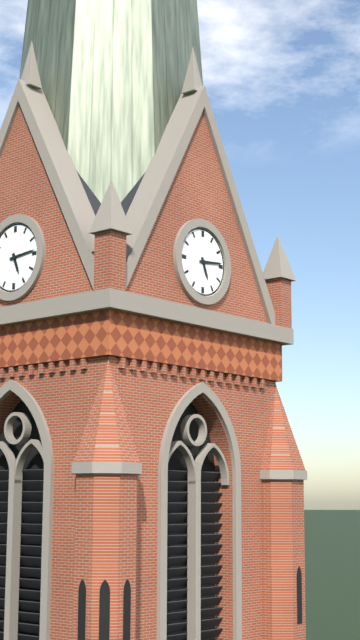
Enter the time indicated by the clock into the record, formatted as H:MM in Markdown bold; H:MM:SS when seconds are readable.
**5:14**
